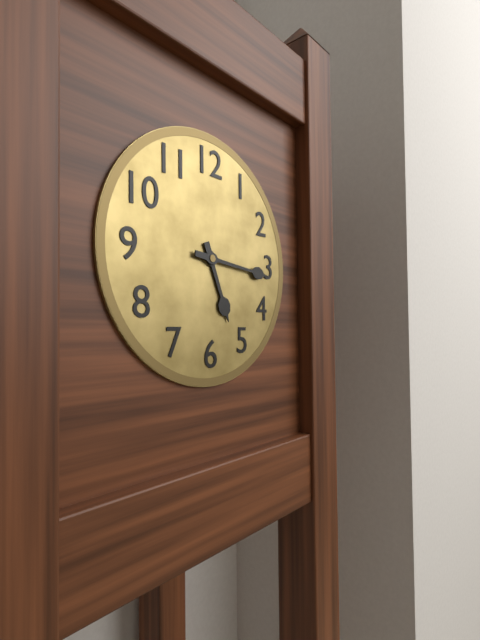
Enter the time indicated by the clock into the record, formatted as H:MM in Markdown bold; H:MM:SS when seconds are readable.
**5:16**
